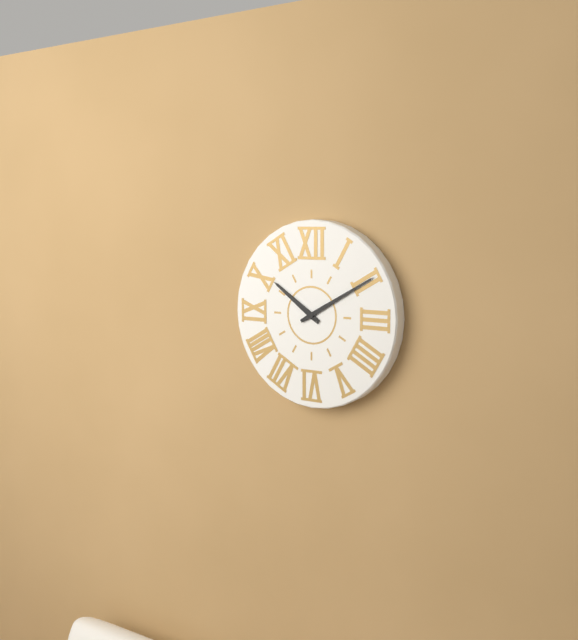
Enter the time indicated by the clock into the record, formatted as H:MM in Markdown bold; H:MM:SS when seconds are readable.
**10:10**
